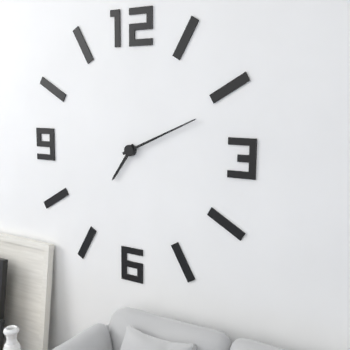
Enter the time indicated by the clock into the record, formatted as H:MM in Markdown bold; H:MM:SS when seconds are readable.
**7:11**
